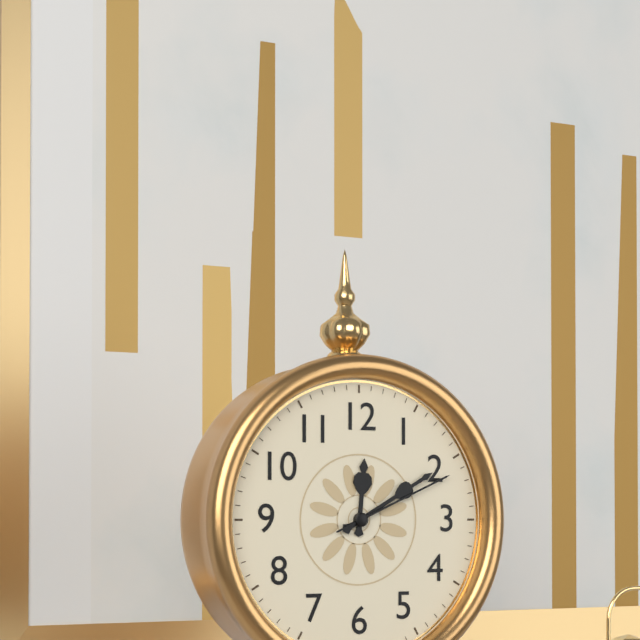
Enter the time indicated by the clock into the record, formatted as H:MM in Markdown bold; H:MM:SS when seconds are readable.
**12:10:11**
